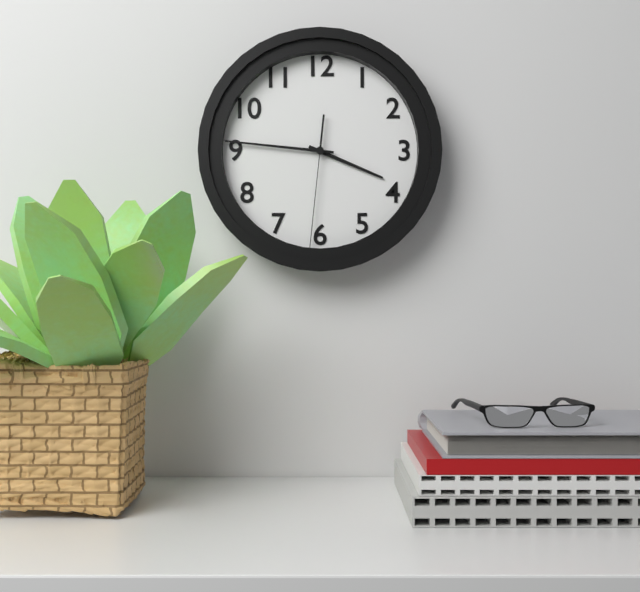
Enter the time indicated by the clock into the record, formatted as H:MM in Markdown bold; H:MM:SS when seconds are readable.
**3:46:31**
